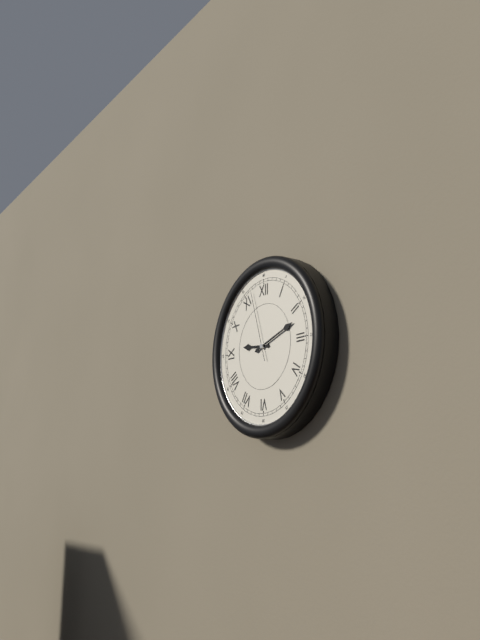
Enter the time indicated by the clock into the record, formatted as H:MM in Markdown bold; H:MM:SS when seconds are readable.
**9:12:57**
